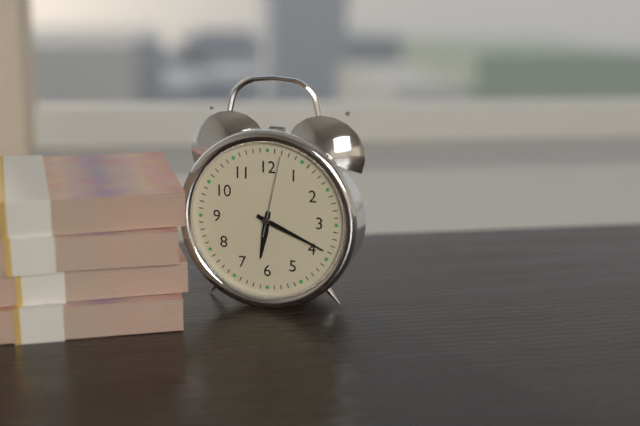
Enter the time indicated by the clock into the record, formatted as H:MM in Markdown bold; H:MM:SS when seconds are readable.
**6:19:02**
